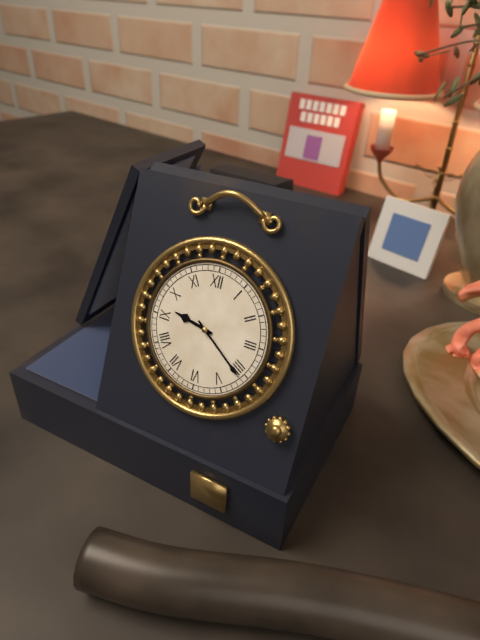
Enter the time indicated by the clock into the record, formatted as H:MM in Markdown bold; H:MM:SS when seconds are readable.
**9:21**
